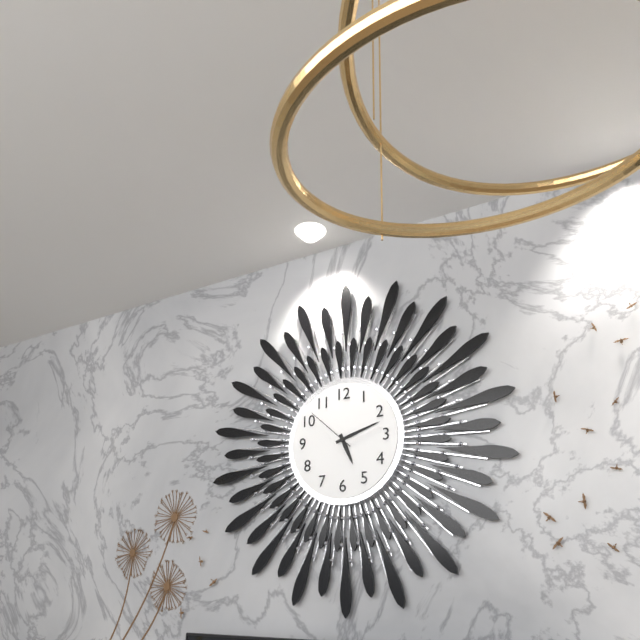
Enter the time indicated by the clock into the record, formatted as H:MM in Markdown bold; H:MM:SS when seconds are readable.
**5:12:52**
